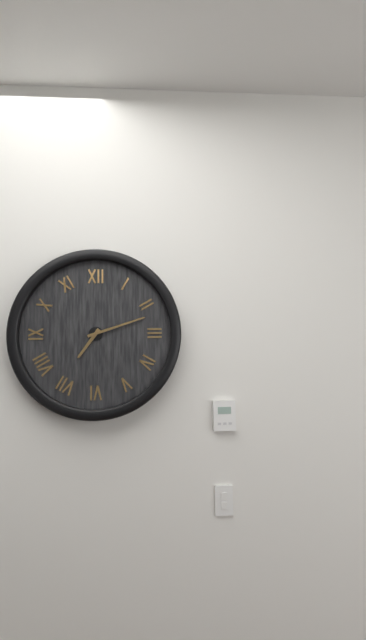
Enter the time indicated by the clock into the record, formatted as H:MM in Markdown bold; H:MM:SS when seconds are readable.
**7:12**
